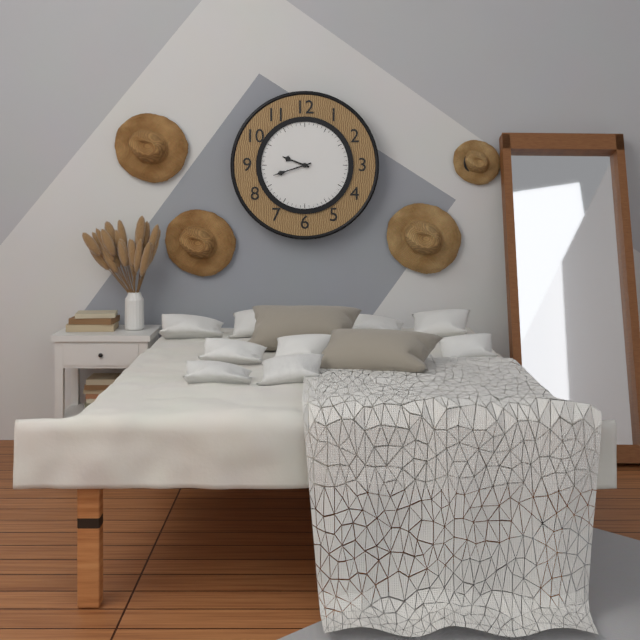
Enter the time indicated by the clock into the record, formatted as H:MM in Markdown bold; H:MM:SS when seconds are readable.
**9:42**
